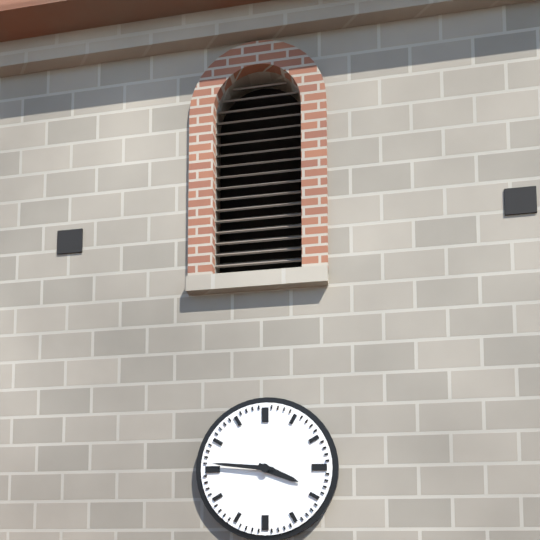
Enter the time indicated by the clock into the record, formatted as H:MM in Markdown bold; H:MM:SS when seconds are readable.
**3:46**
